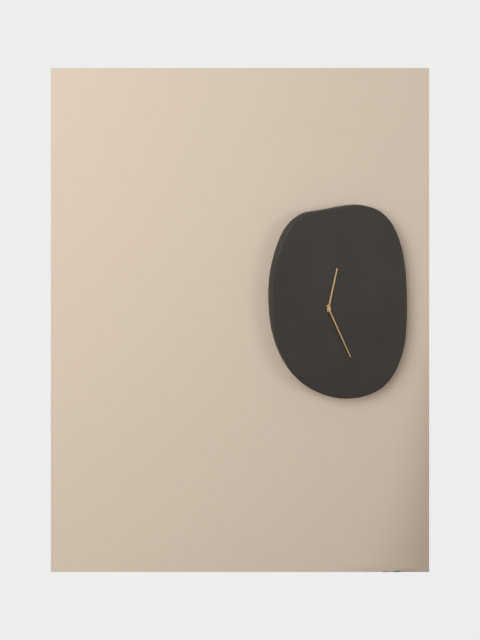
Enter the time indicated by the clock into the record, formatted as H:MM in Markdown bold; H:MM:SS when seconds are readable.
**12:26**
